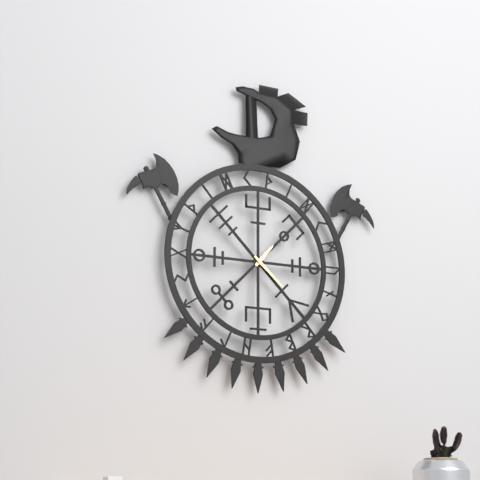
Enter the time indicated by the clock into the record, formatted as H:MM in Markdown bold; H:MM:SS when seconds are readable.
**1:22**
